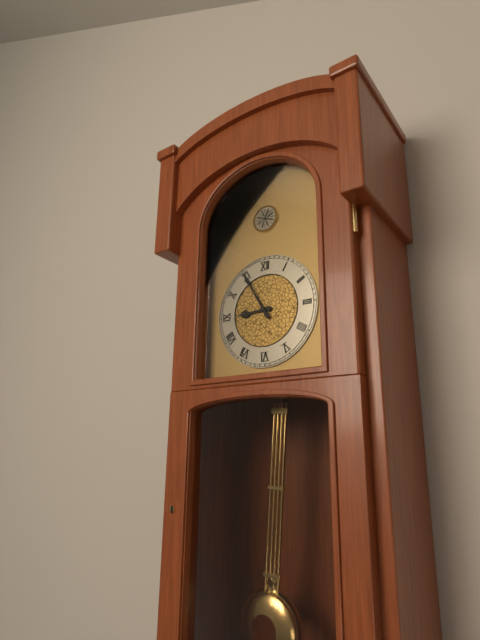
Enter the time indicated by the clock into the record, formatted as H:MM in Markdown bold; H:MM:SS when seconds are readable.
**8:55**
